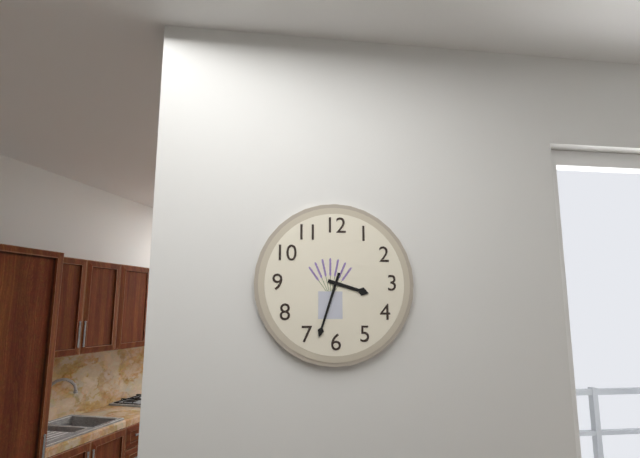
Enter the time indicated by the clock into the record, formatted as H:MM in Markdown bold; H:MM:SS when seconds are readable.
**3:33**
